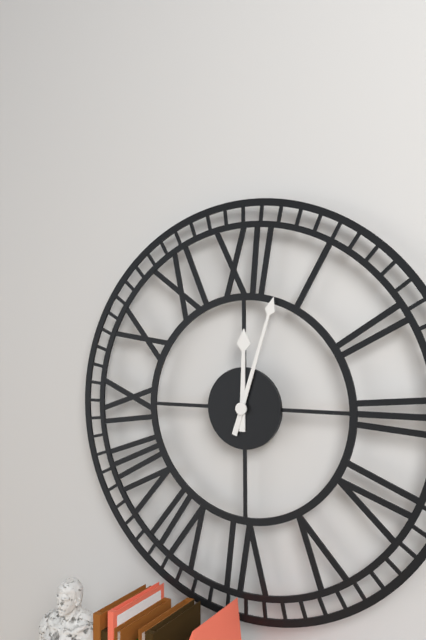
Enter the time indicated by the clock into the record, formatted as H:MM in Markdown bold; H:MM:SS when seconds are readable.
**12:03**
